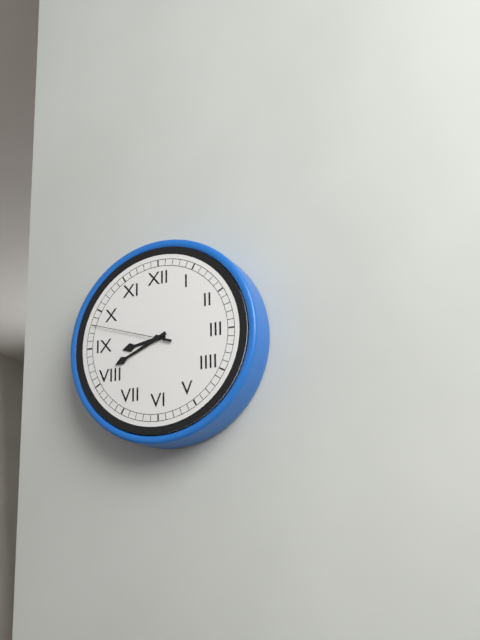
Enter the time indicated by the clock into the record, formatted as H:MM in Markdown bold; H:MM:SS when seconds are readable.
**8:41:48**
